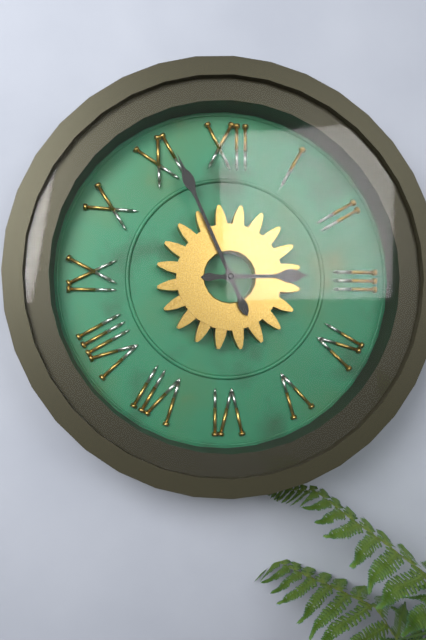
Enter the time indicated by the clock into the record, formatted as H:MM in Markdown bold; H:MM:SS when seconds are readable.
**2:56**
